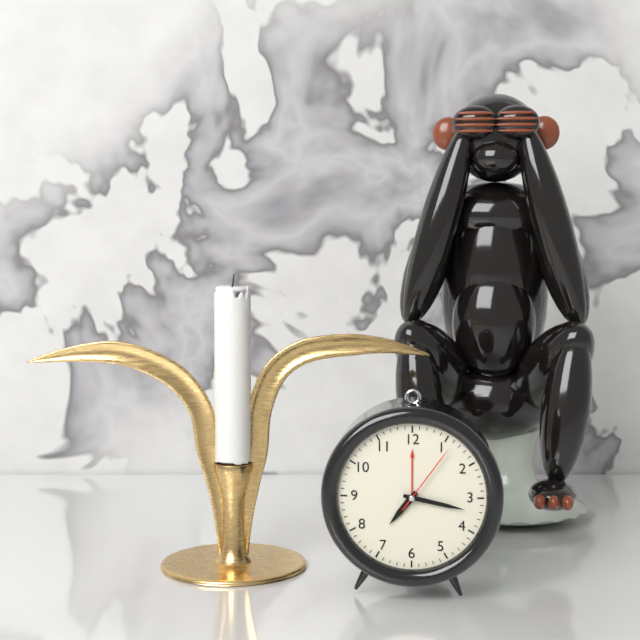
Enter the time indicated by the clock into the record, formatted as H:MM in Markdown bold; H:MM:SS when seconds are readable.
**7:17:06**
